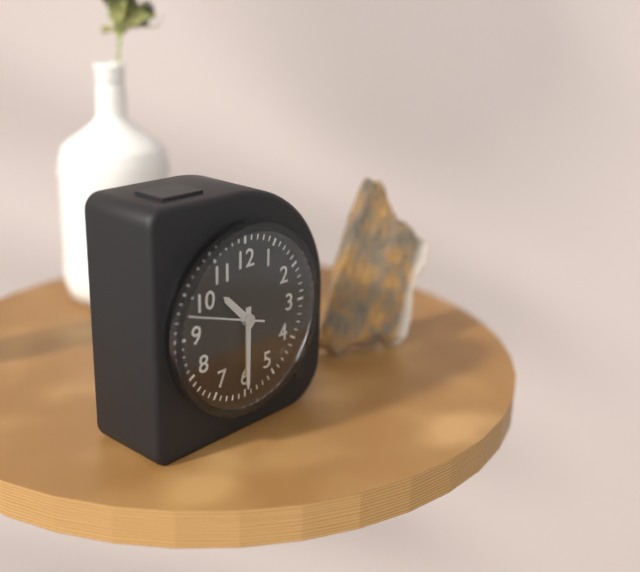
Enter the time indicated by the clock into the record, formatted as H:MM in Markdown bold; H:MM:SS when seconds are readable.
**10:30:48**
